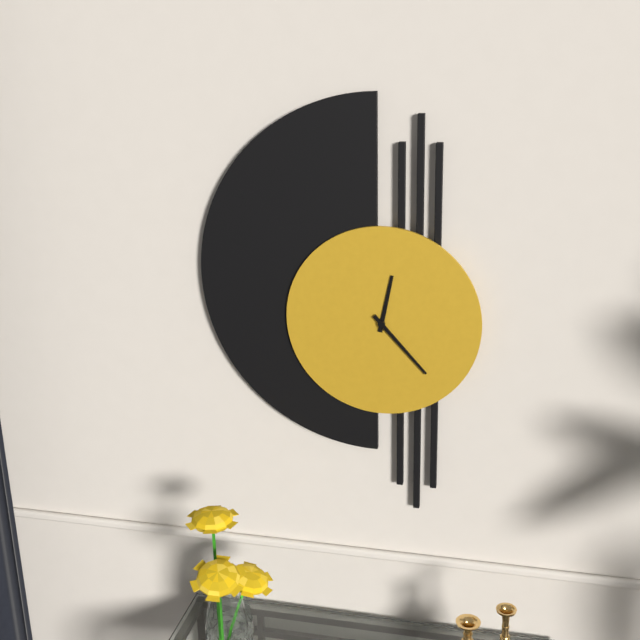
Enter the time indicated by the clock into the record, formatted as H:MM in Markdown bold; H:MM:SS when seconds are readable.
**12:23**
